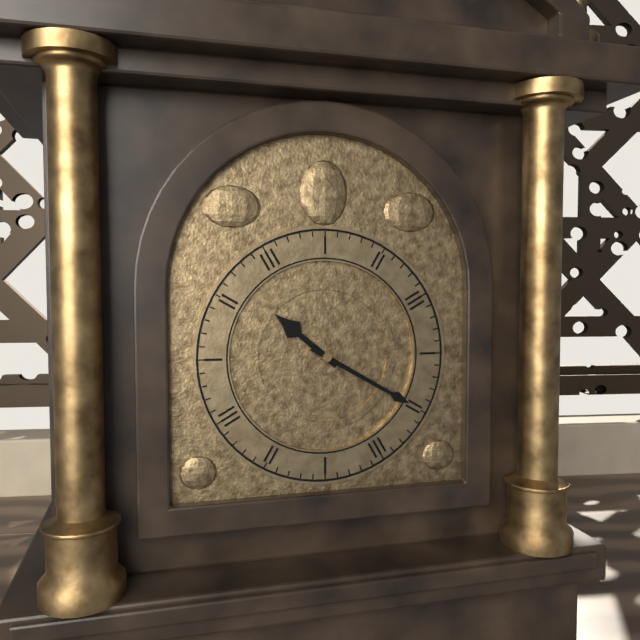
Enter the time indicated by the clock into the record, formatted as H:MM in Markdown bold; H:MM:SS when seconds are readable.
**10:20**
